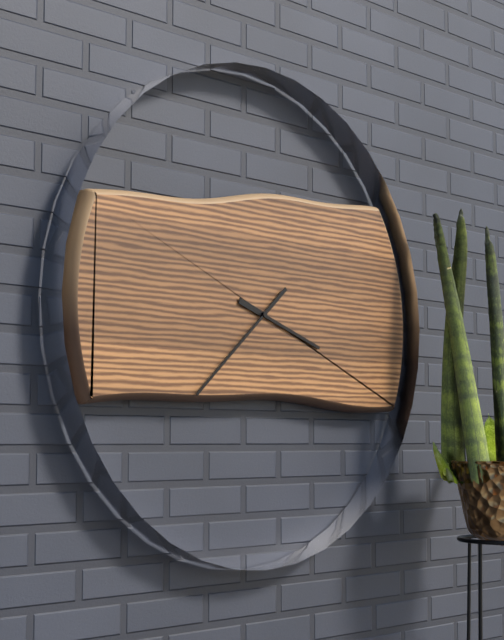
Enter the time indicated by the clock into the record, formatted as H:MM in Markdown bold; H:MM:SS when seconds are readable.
**3:38**
